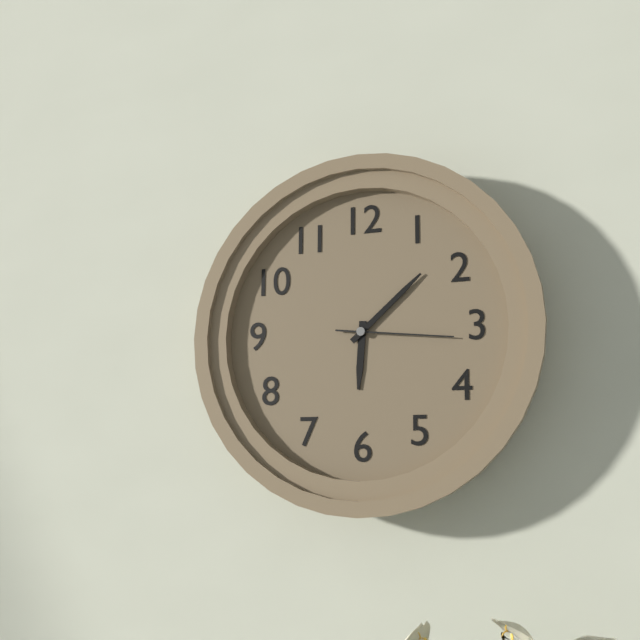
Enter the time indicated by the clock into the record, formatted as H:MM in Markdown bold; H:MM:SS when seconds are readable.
**6:08:16**
